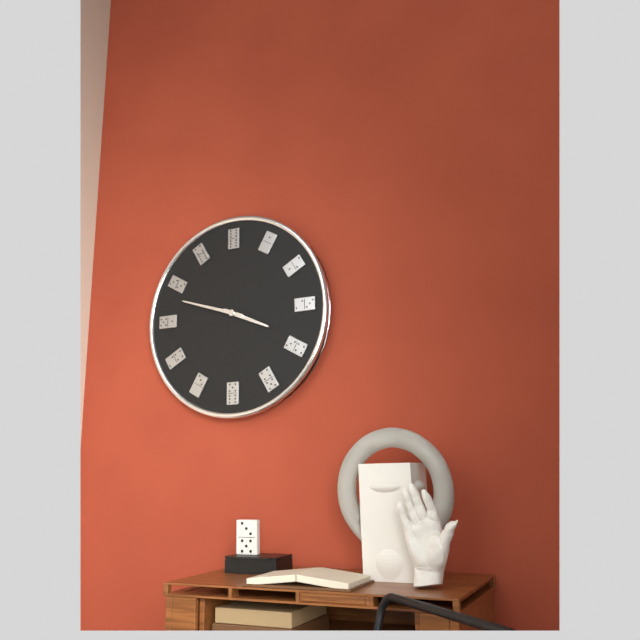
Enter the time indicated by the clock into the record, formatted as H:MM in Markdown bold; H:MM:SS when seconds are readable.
**3:48**
